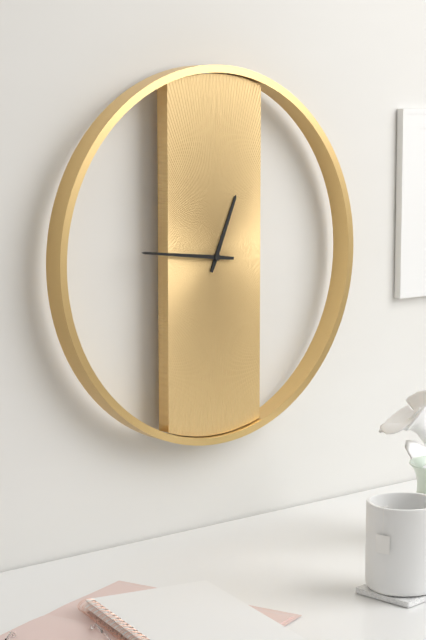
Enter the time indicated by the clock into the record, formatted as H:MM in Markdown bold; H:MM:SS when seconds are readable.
**12:46**
